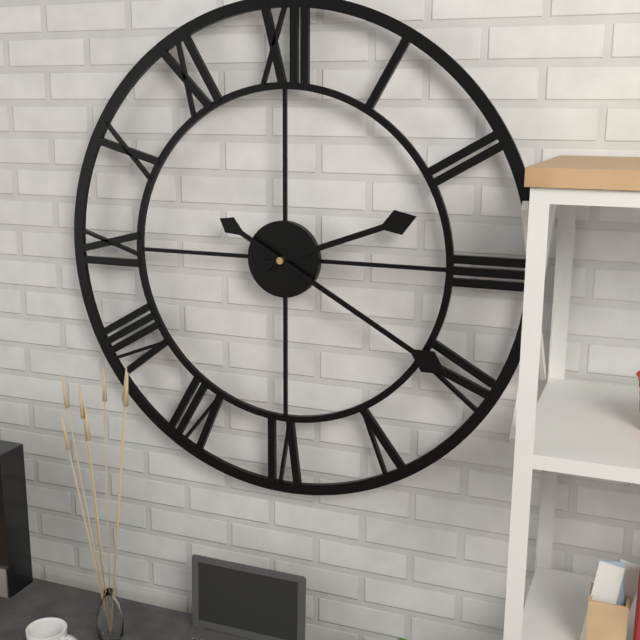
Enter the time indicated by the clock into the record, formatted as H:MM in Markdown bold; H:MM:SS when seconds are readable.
**2:20**
